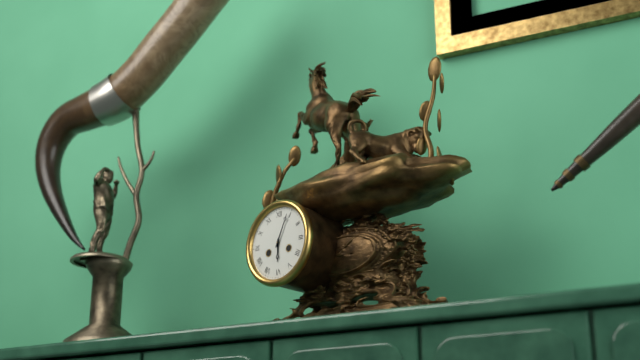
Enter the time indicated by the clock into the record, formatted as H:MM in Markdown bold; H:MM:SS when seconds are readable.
**6:04**
